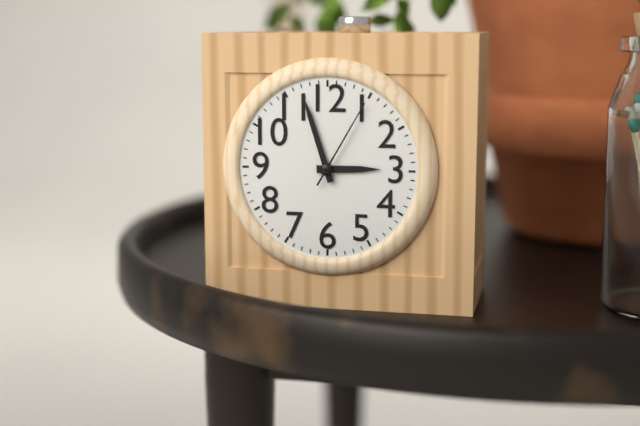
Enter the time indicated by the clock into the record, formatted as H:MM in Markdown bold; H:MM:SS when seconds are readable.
**2:57:05**
